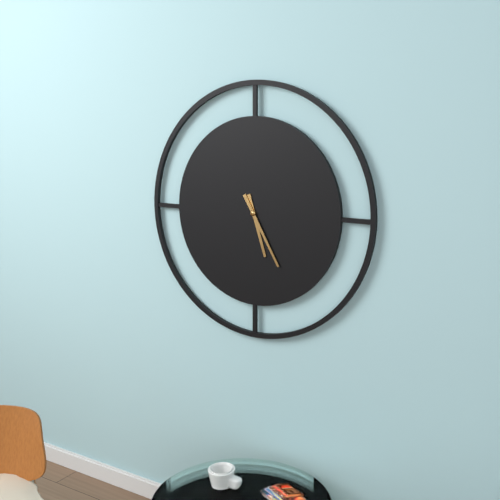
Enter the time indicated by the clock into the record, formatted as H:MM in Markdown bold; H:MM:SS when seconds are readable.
**5:25**
